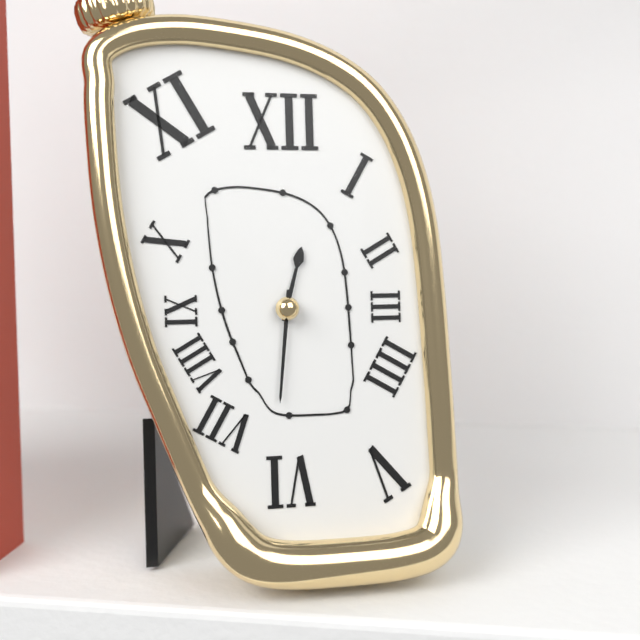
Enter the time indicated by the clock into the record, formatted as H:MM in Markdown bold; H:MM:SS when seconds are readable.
**12:31**
